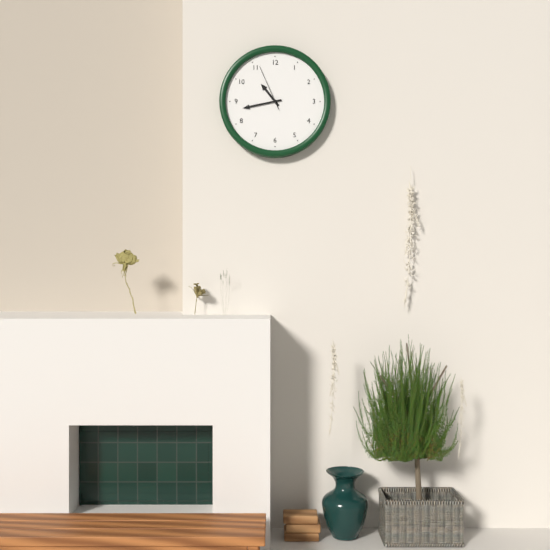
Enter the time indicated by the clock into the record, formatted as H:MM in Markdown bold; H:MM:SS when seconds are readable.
**10:43**
